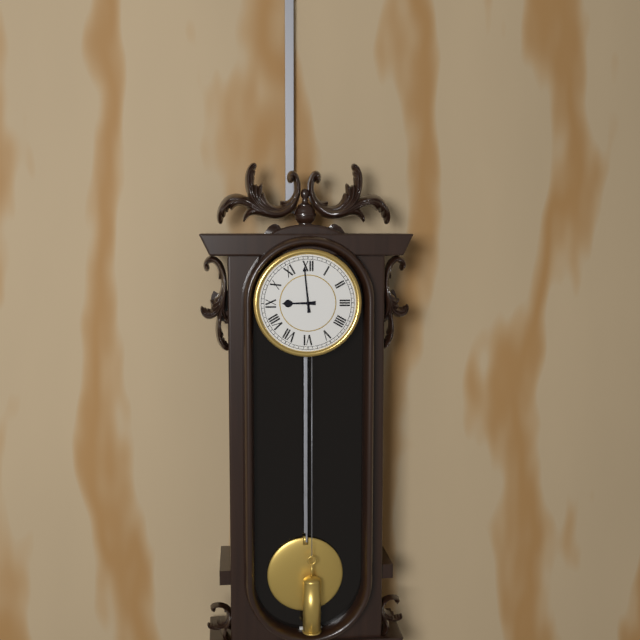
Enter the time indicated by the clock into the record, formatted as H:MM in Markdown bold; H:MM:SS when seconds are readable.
**8:59**
